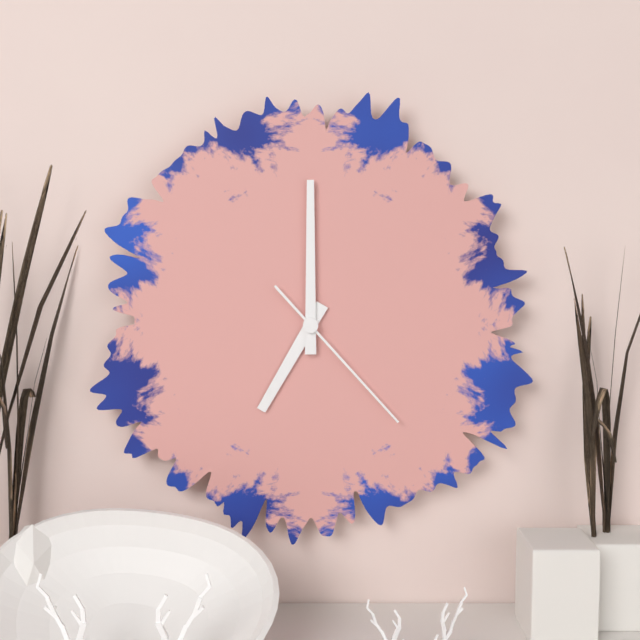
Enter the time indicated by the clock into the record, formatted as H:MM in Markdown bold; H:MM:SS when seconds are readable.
**7:00:23**
